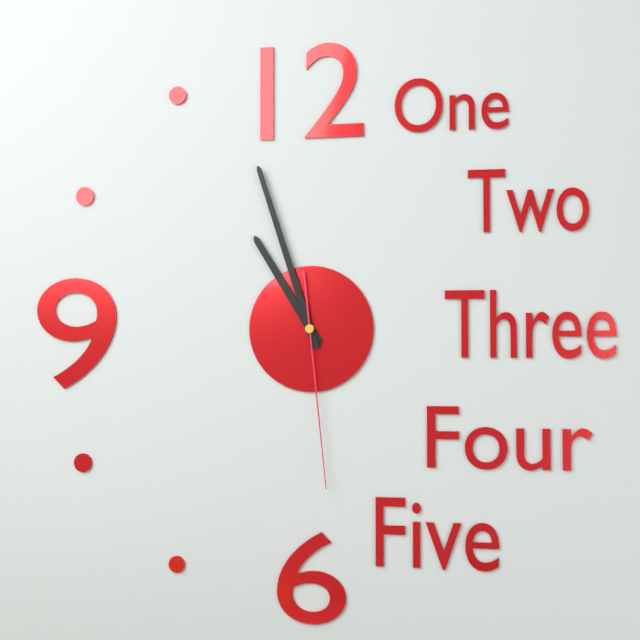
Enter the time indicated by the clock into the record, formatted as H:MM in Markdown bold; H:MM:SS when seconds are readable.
**10:57:29**
